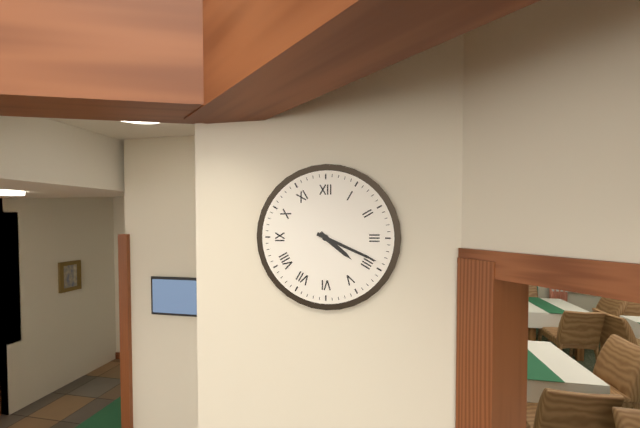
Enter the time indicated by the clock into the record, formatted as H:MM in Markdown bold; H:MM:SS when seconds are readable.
**4:19**
